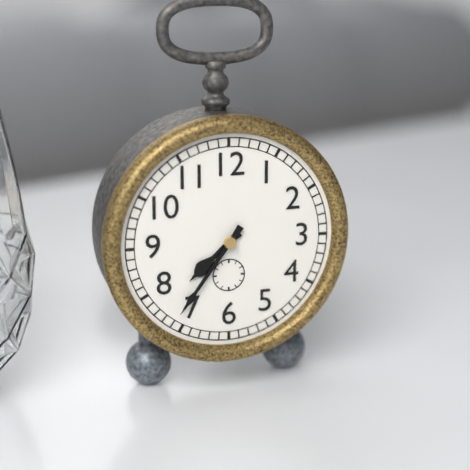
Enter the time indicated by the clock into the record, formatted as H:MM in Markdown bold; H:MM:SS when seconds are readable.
**7:36**
